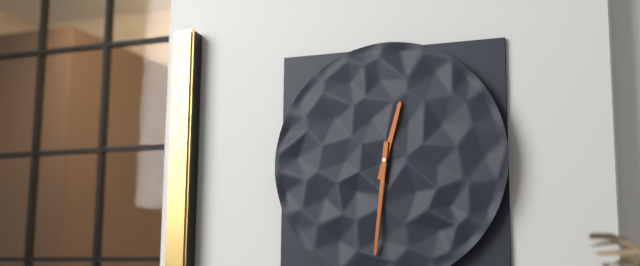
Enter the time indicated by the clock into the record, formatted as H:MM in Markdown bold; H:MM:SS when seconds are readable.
**12:31**
